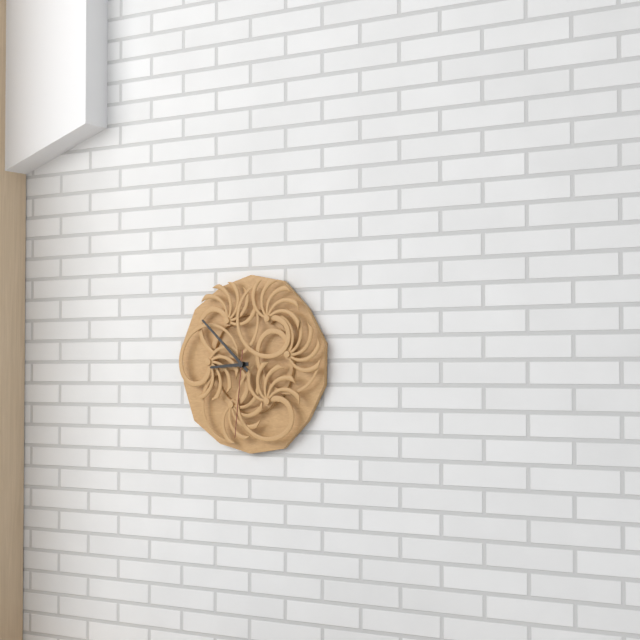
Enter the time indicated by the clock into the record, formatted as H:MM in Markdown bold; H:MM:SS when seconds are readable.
**8:52:31**
